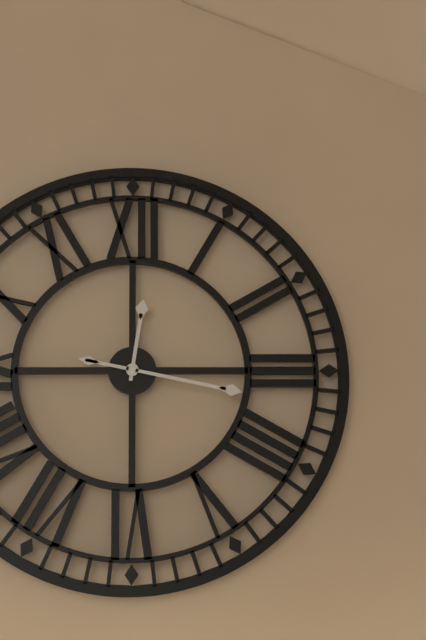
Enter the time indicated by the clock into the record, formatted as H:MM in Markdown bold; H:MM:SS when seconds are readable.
**12:17**
